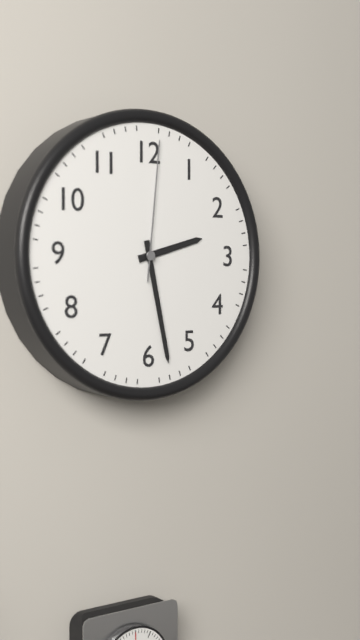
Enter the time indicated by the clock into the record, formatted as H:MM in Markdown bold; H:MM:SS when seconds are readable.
**2:28:01**
